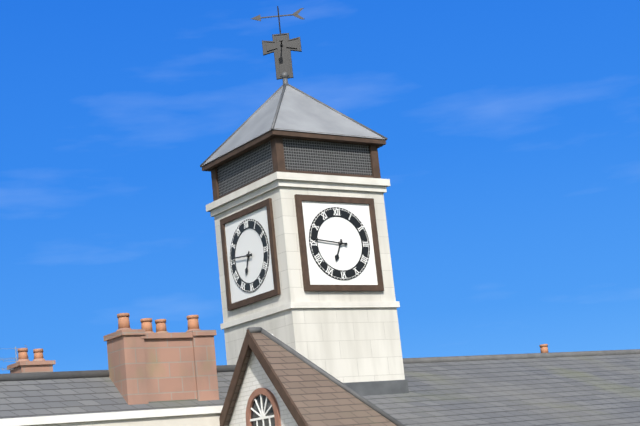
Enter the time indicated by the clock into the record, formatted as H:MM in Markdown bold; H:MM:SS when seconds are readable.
**6:46**
